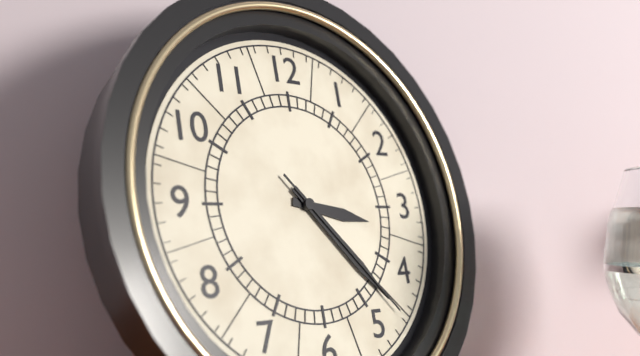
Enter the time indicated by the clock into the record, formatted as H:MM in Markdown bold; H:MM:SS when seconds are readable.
**3:23:23**
